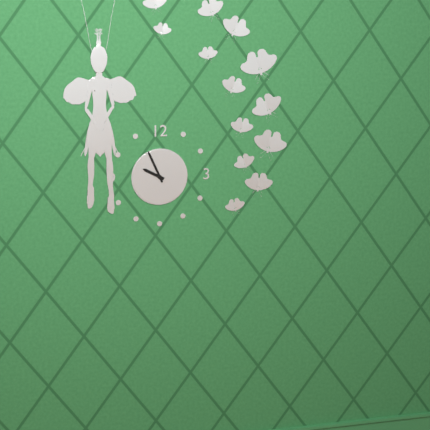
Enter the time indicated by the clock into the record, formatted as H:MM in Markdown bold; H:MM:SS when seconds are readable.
**9:56**
